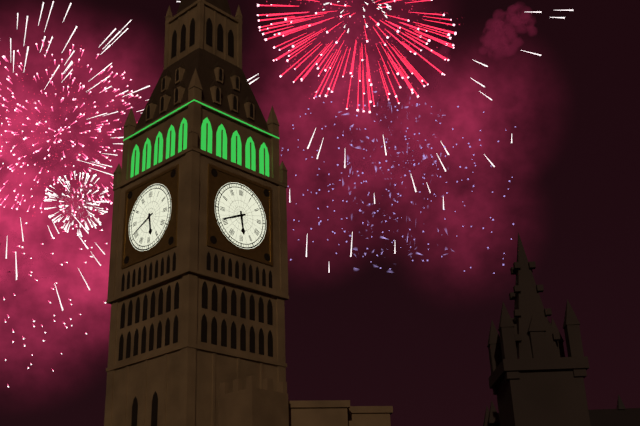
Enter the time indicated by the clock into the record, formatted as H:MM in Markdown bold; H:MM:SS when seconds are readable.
**5:41**
